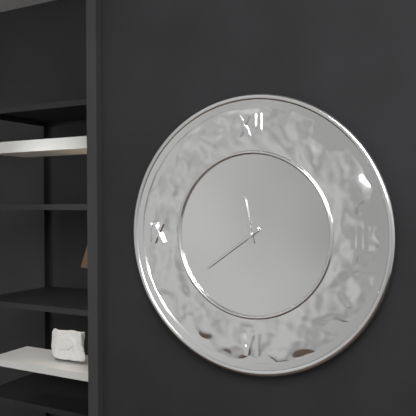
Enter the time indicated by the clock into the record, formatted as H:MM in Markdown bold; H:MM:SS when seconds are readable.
**11:39**
